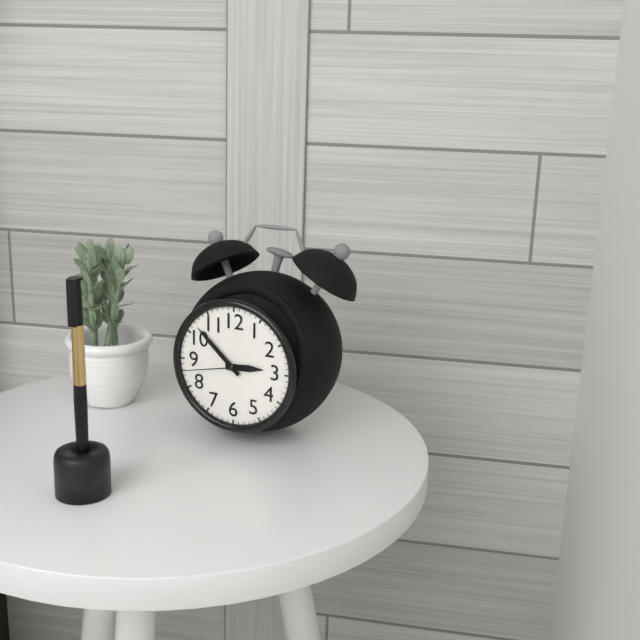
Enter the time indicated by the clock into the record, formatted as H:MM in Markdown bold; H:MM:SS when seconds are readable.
**2:52:43**
